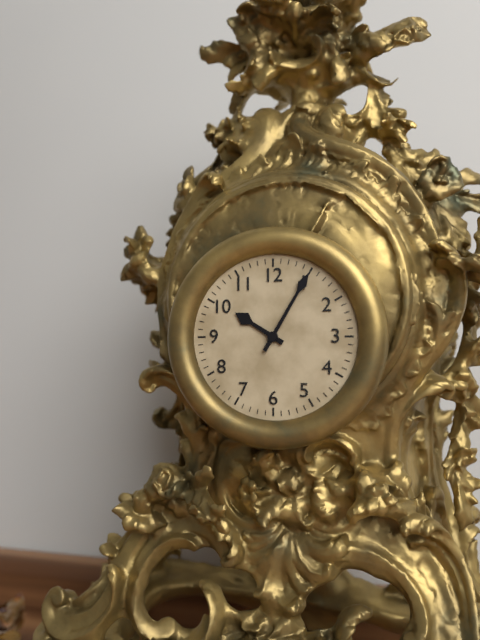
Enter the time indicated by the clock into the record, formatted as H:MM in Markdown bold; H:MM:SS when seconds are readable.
**10:05**
